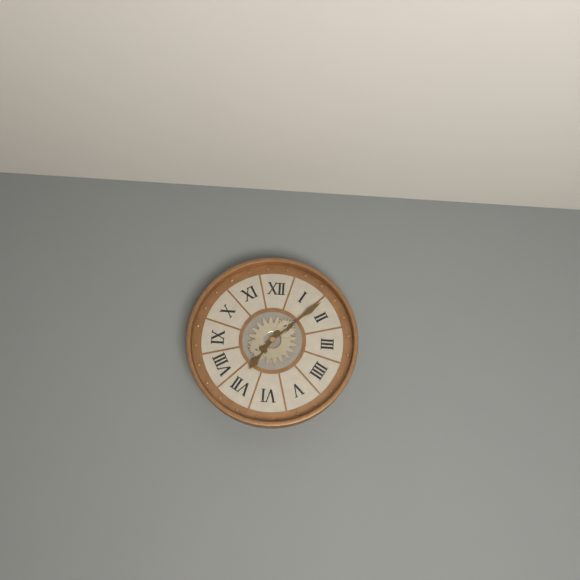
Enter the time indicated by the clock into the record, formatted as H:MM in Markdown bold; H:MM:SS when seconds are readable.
**7:08**
